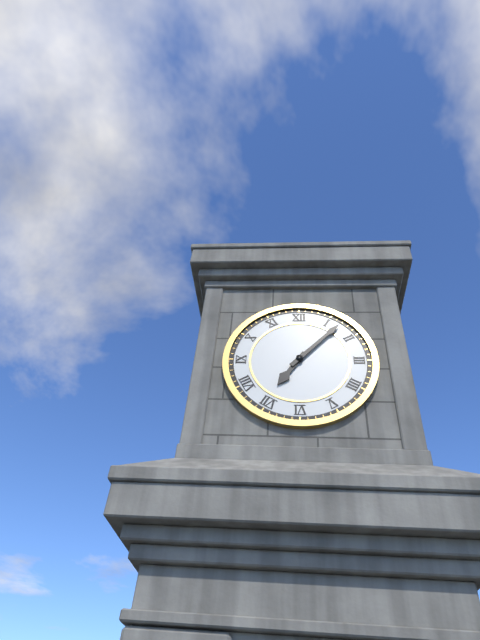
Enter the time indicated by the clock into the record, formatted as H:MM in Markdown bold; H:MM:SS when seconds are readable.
**7:07**
